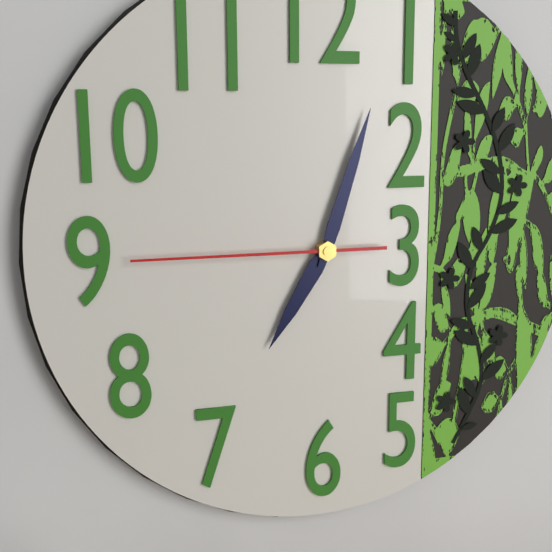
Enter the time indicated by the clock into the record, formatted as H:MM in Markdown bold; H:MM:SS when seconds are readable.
**7:03:45**
